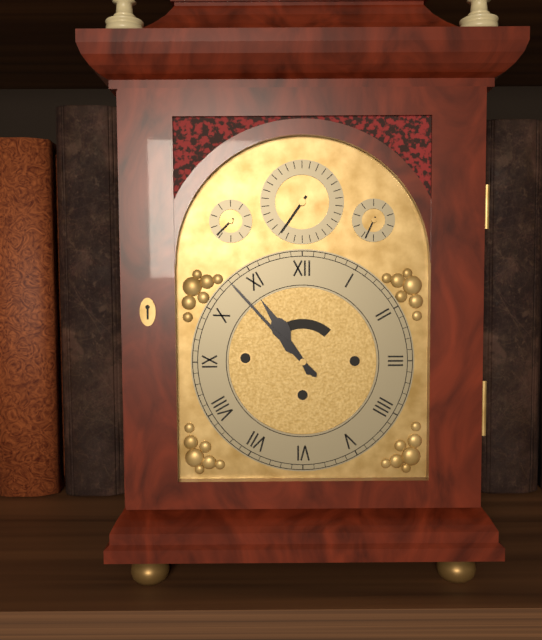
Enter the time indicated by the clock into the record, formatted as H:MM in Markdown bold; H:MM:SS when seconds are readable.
**10:53**
